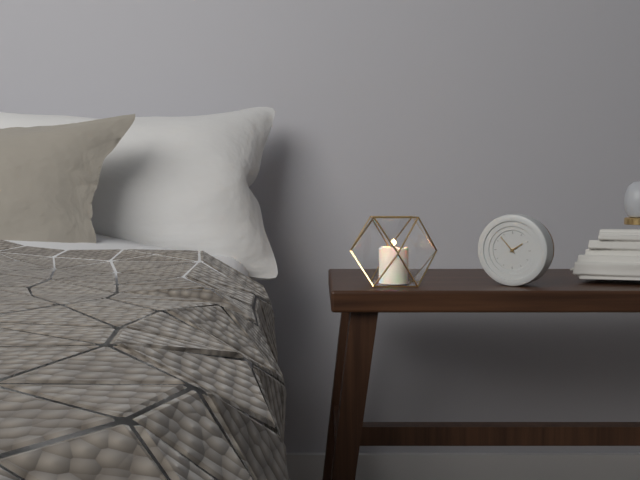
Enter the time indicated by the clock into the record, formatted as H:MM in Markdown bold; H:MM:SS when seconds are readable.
**1:53**
